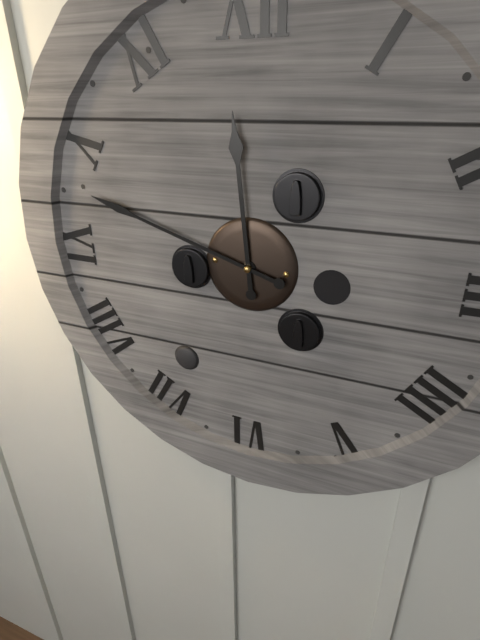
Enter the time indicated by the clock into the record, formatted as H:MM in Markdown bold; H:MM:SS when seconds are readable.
**11:48**
